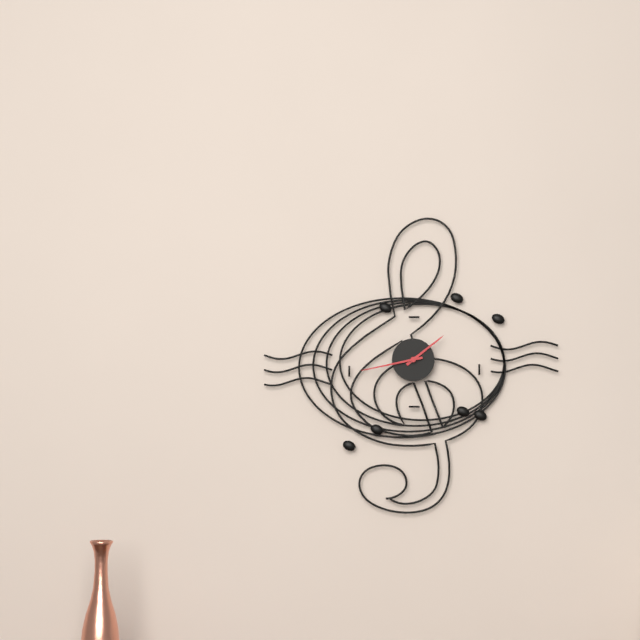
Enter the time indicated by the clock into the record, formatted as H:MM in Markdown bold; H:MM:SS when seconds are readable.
**1:43**
